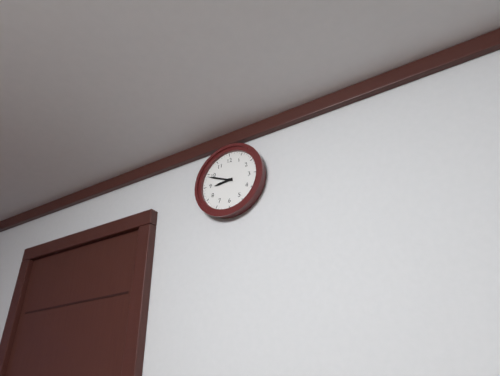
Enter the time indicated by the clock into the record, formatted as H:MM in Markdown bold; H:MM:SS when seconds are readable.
**8:49**
